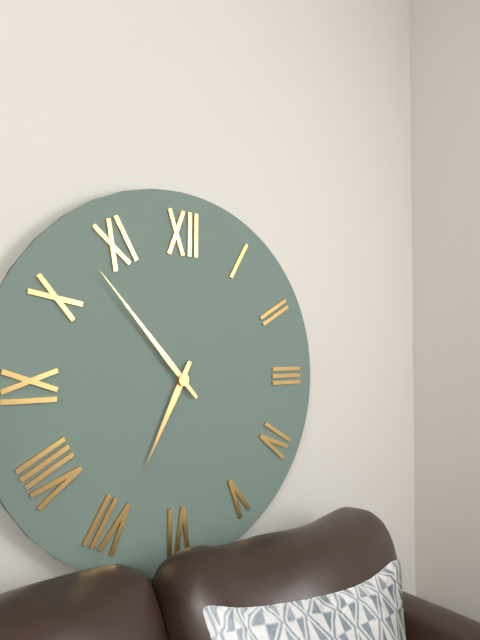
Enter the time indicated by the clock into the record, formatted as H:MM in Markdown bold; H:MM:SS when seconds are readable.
**6:53**
